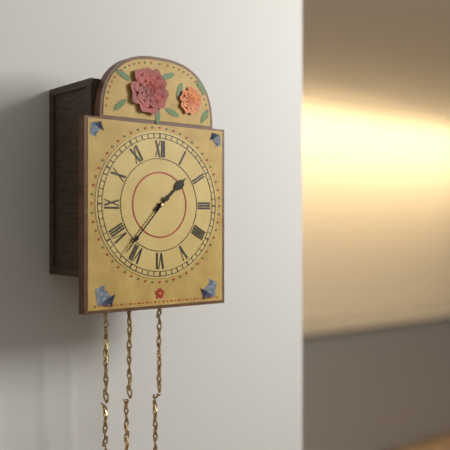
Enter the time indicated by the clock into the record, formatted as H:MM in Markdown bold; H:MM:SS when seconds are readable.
**1:37**
